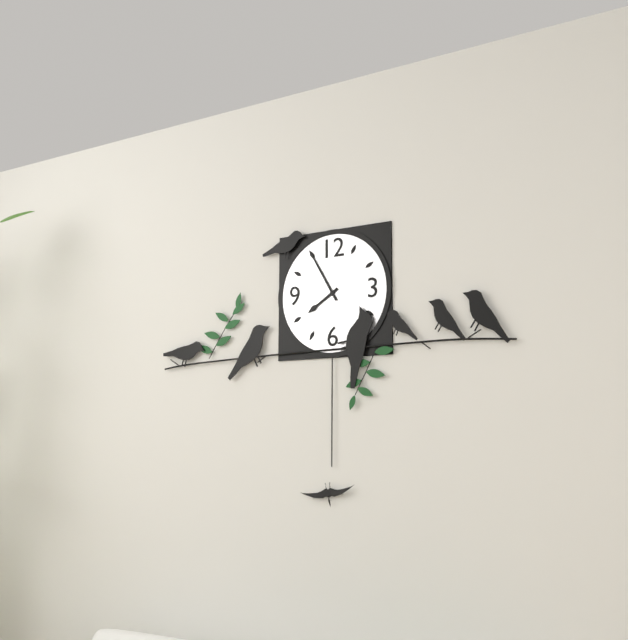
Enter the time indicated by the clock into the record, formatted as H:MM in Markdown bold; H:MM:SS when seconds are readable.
**7:55**
